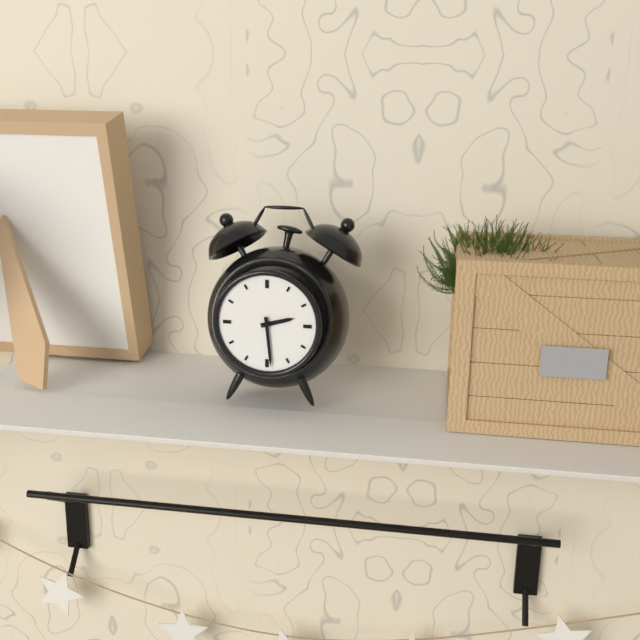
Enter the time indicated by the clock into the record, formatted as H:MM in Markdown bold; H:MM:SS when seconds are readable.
**2:29**
